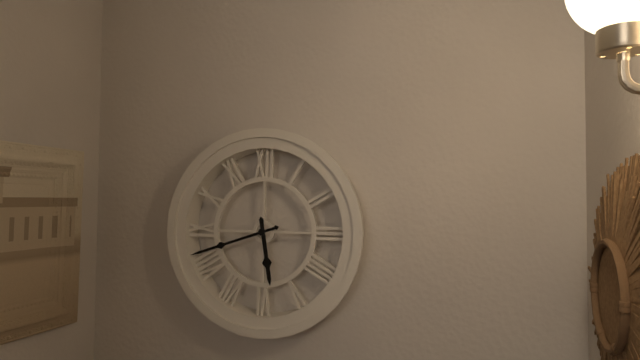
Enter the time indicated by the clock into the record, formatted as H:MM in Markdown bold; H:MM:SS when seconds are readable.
**5:42**
